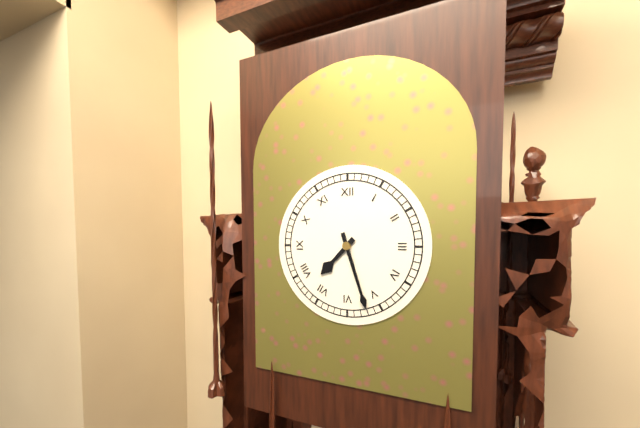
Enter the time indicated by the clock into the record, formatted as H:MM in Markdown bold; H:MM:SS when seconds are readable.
**7:27**
